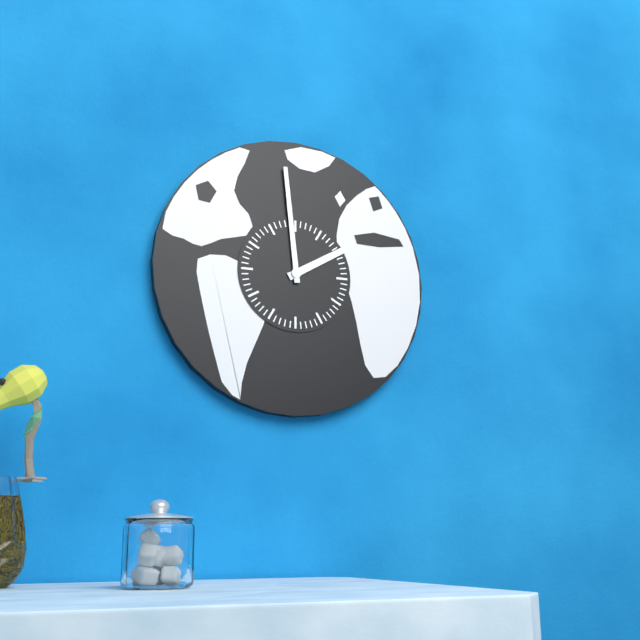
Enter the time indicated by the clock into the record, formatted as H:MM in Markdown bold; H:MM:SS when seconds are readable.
**1:59**
